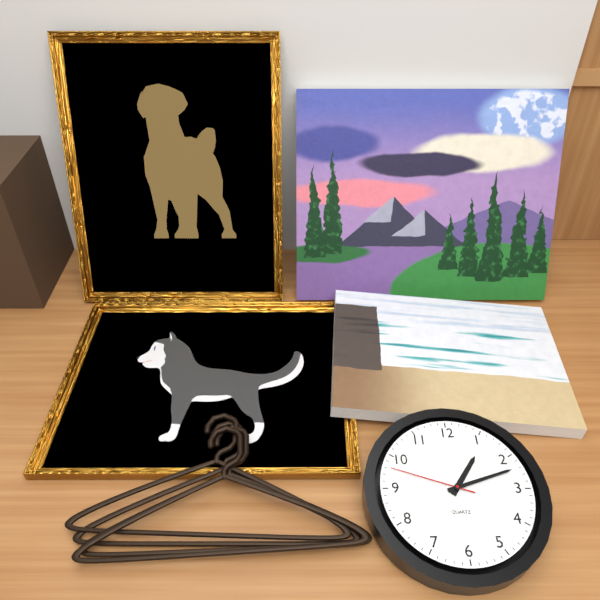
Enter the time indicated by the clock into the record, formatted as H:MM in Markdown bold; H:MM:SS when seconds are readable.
**1:12:48**
